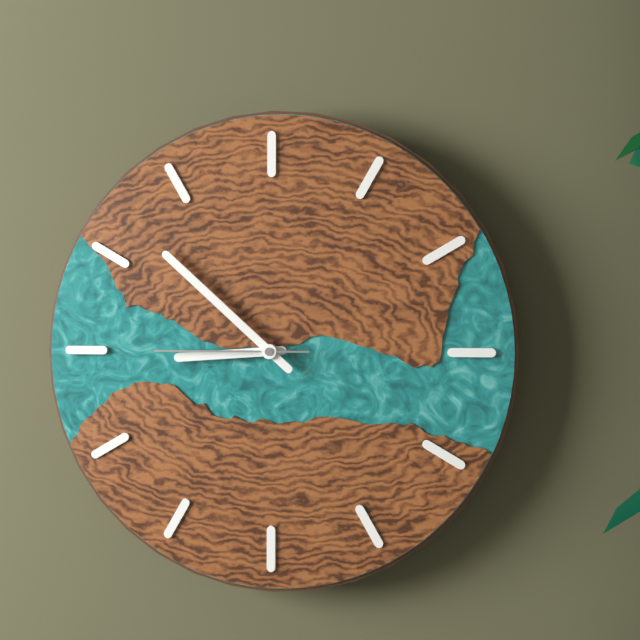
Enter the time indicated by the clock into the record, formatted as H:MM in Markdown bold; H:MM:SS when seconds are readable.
**8:52:45**
